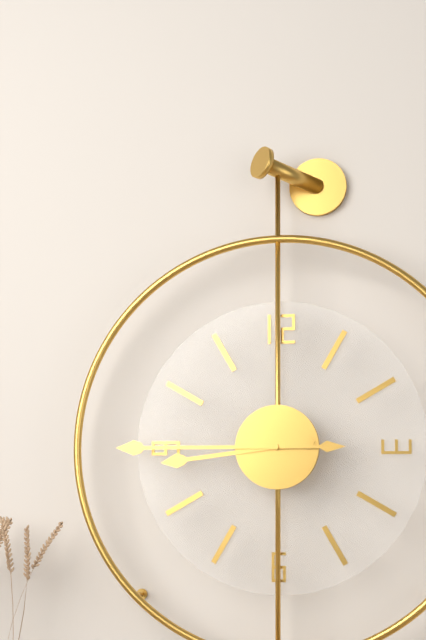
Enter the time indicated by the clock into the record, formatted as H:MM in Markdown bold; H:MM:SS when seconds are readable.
**8:45**
